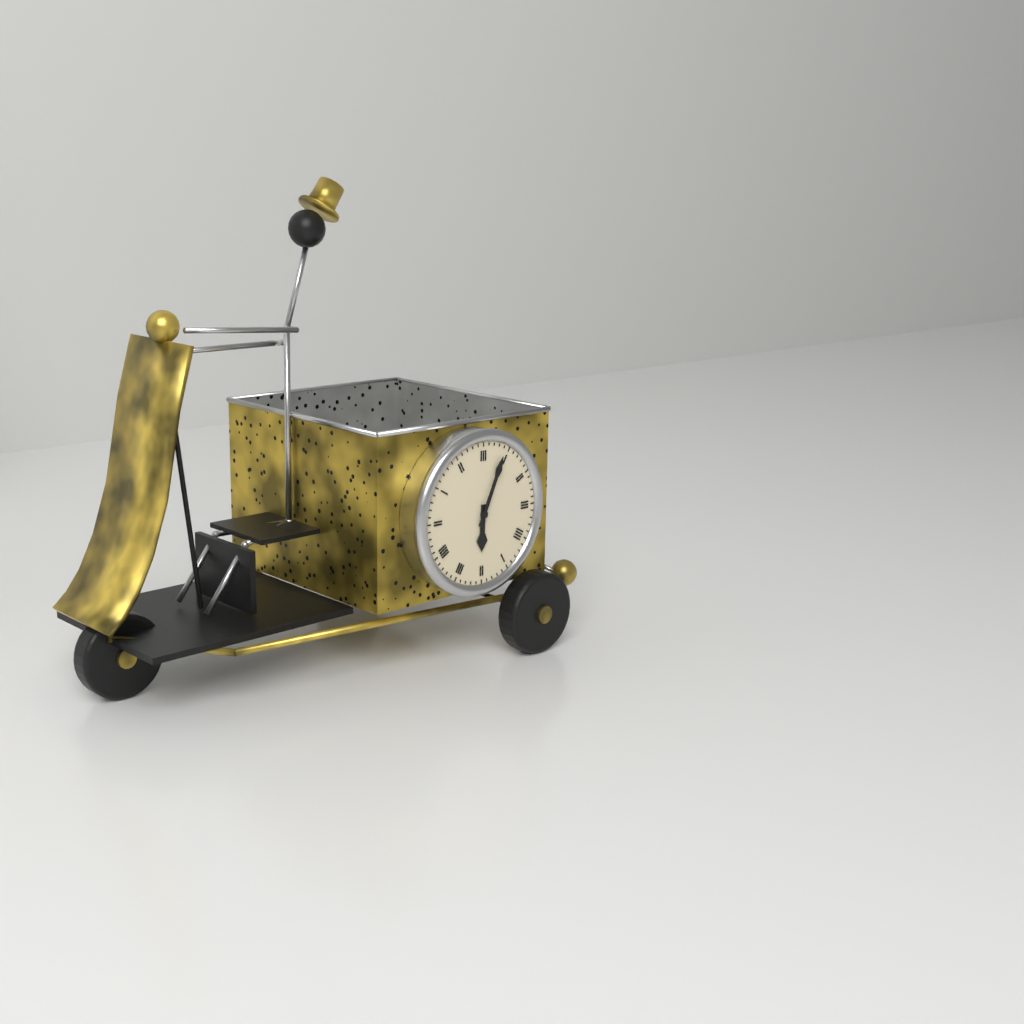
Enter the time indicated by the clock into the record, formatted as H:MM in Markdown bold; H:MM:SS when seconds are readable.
**6:04**
